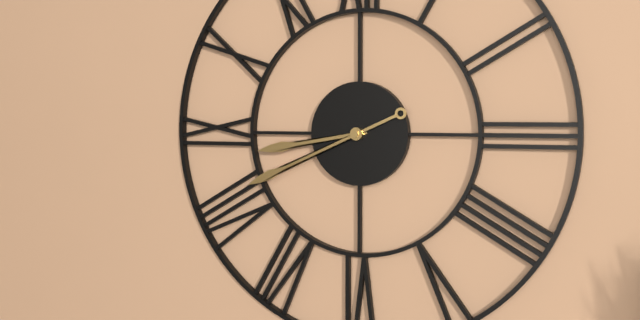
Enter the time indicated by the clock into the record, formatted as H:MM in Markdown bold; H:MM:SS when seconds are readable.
**8:41**
